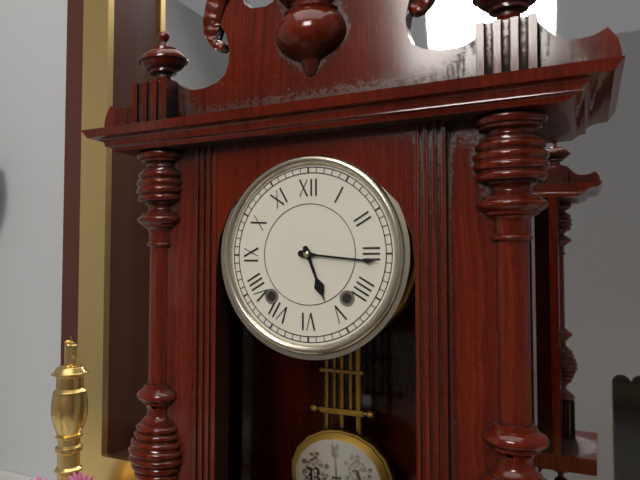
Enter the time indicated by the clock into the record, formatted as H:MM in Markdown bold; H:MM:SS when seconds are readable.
**5:16**
